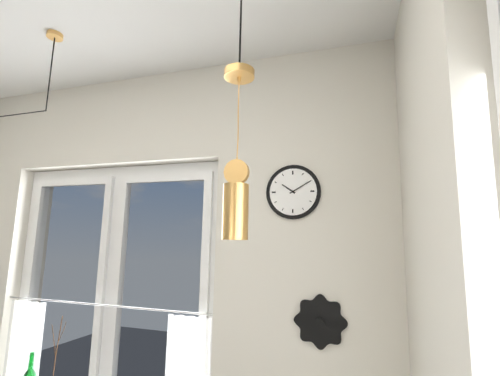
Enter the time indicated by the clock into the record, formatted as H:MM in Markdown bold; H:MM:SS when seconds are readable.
**10:10**
